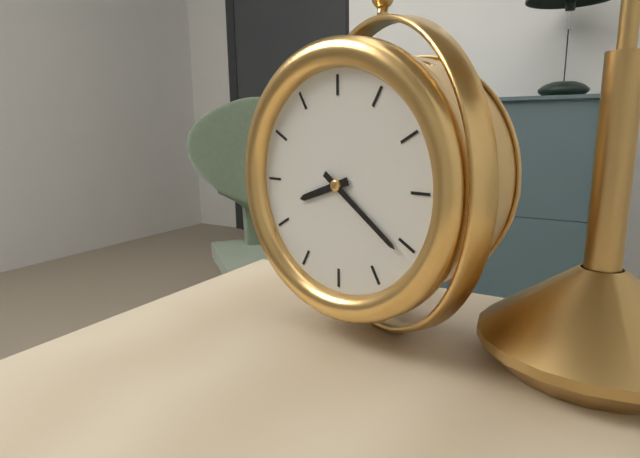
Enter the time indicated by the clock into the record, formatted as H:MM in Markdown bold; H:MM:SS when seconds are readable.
**8:21**
